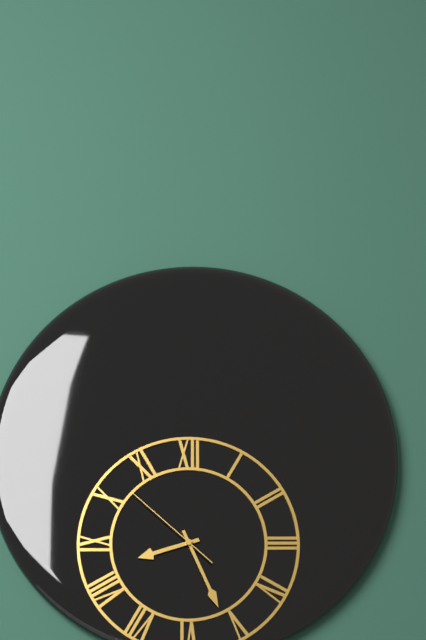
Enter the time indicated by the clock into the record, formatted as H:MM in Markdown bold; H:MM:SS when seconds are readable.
**8:26:52**
